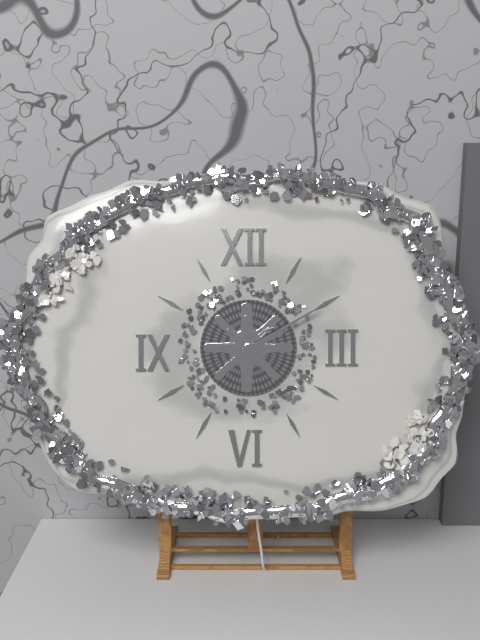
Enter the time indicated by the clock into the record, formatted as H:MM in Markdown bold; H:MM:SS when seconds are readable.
**2:10**
